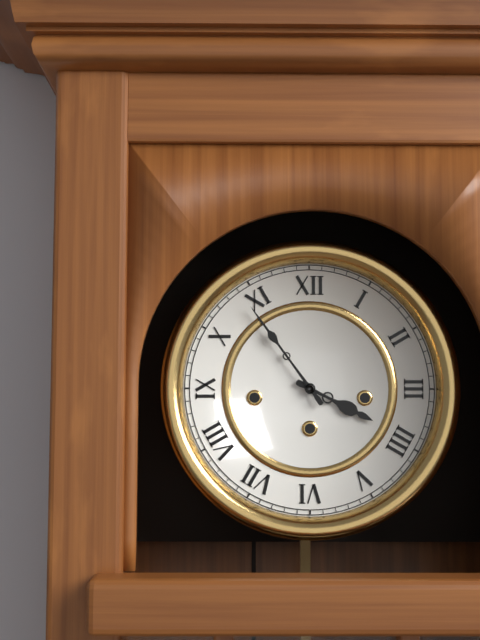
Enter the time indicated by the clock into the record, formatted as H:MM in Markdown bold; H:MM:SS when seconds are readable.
**3:54**
